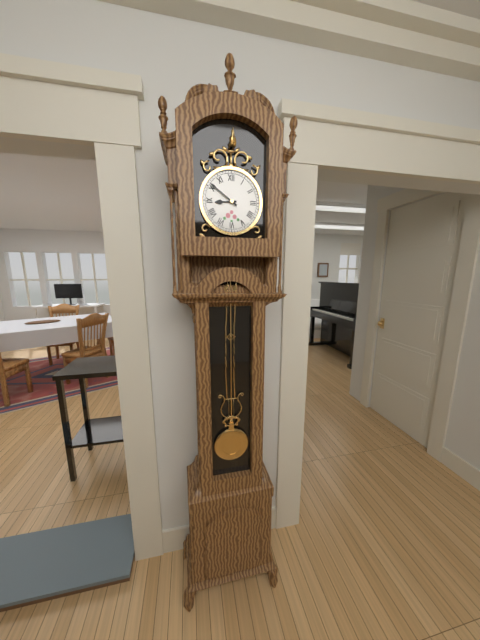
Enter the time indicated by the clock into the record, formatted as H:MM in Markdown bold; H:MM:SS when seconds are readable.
**8:51**
